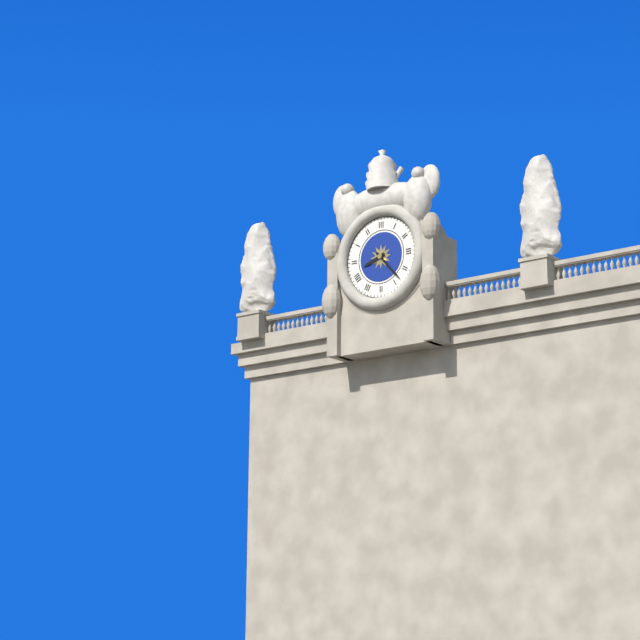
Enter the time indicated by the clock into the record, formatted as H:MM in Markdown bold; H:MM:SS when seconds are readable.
**8:23**
